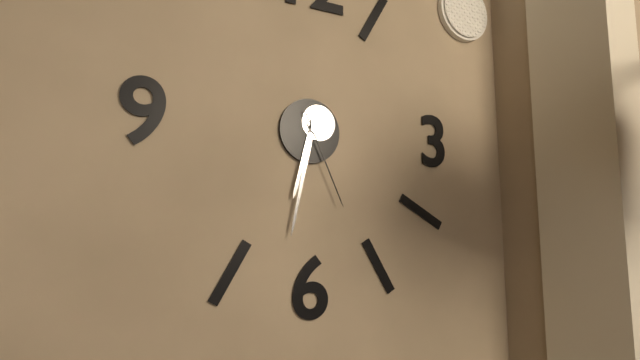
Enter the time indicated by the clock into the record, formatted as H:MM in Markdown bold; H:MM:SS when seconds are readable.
**6:32:26**
